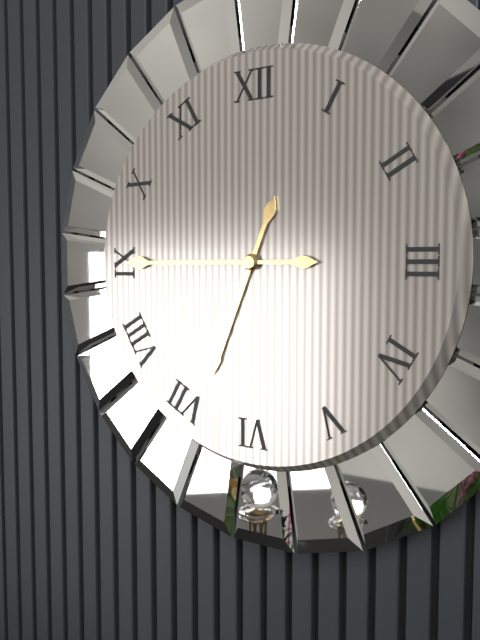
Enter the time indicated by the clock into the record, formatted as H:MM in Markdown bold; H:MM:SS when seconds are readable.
**6:45**
